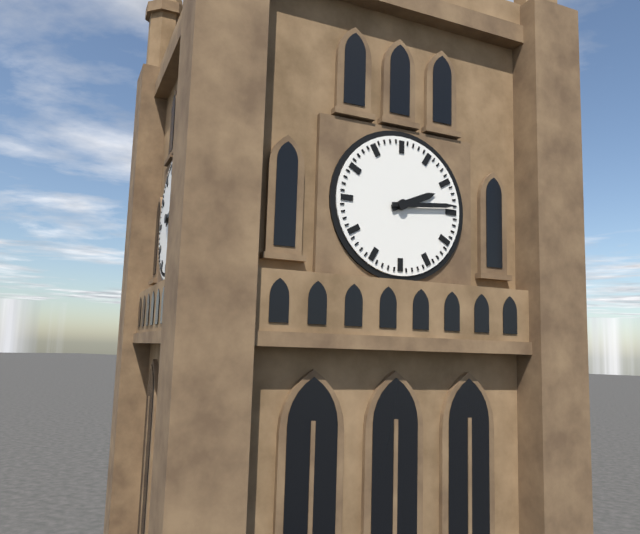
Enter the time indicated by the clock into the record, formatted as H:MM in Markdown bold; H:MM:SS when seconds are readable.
**2:14**
